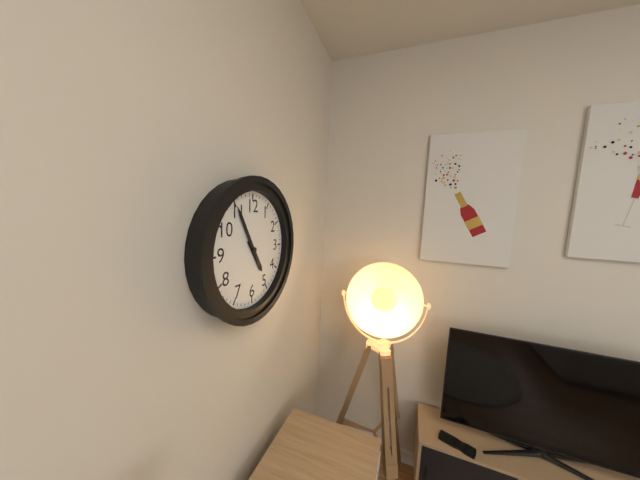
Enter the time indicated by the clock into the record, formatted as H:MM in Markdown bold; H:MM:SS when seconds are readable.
**4:55**
